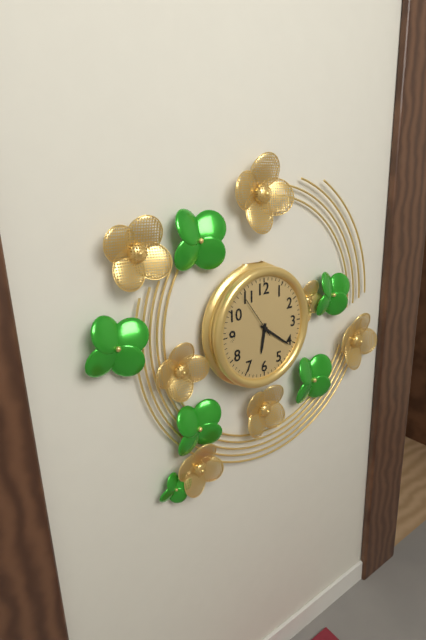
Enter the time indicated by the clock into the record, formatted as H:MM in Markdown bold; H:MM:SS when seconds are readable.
**6:21**
